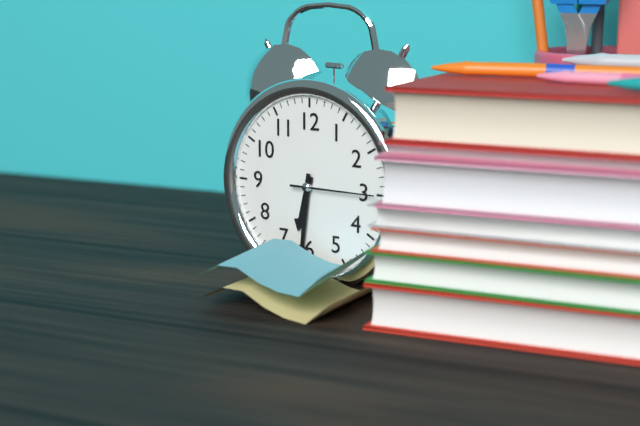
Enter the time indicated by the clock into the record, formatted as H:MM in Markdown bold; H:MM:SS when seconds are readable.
**6:31:15**
